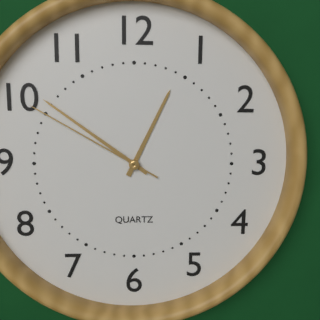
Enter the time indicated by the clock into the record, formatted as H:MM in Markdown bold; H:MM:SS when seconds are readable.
**12:51:50**
